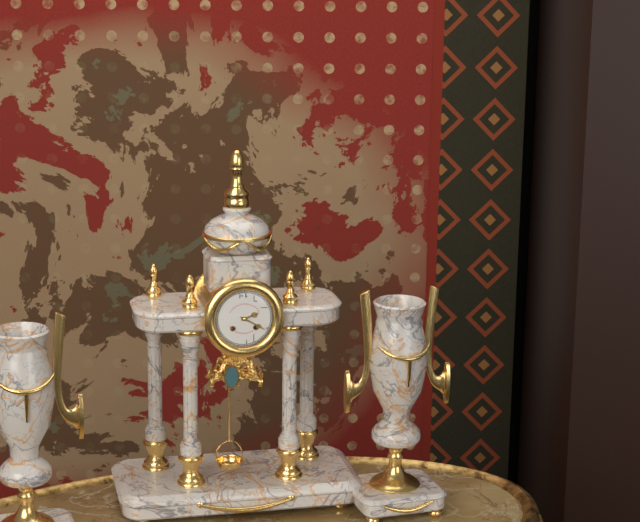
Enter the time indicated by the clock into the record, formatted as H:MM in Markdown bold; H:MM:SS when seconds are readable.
**2:20**
